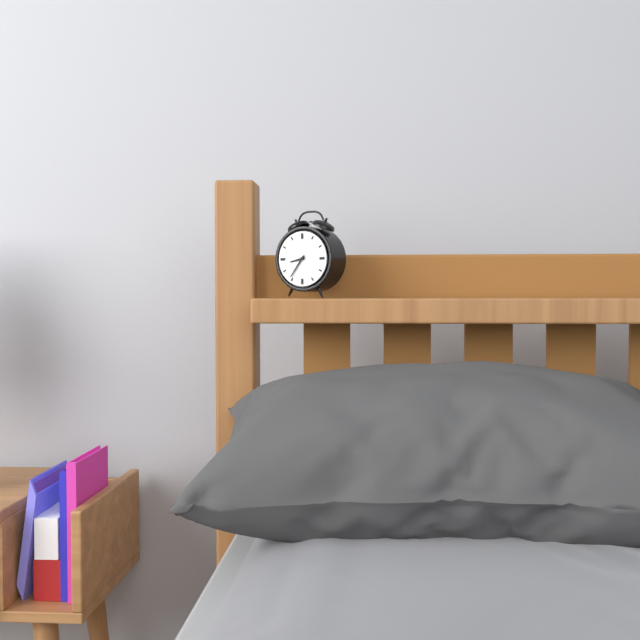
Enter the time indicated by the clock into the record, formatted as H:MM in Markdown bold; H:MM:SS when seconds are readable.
**8:36**
